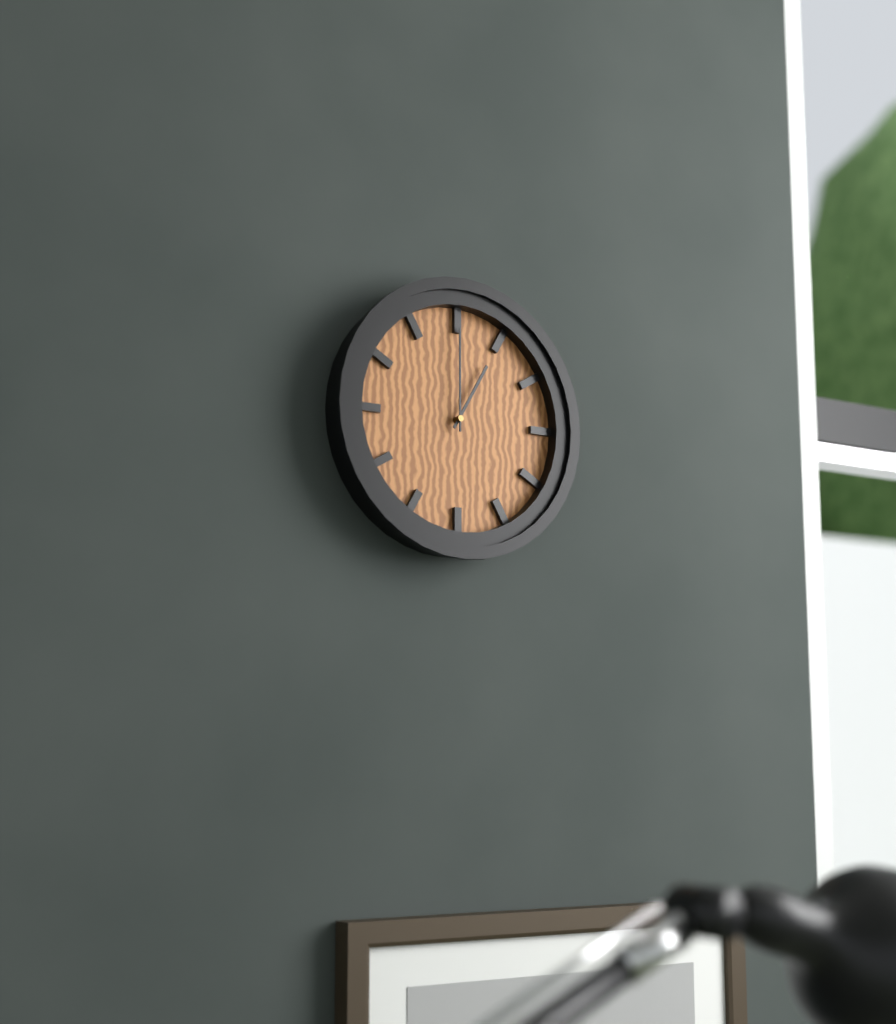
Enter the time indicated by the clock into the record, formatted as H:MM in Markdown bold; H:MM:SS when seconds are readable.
**1:00**
